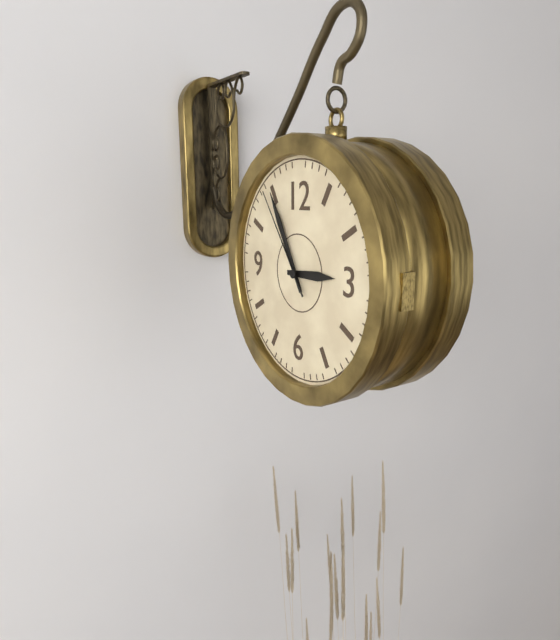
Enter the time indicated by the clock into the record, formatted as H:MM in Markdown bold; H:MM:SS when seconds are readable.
**2:55:54**
